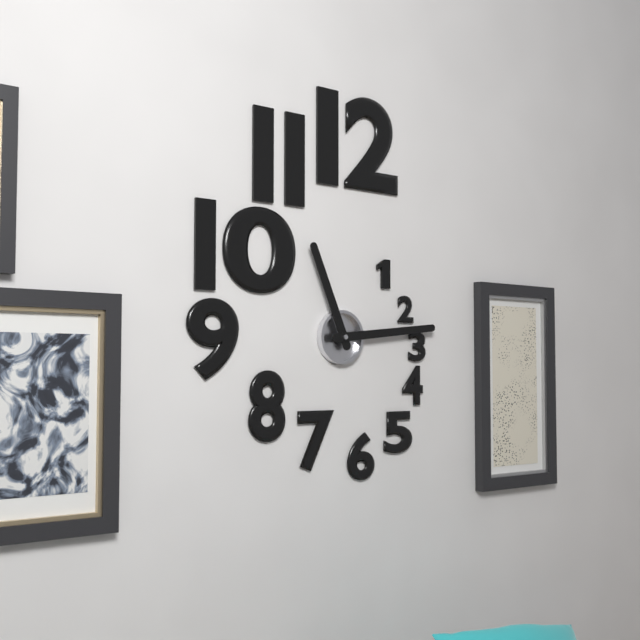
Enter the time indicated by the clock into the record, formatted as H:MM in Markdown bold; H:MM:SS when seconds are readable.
**11:14**
